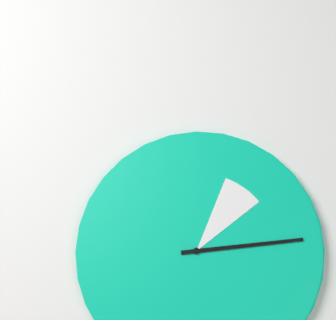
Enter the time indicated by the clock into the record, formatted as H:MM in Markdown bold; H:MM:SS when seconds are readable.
**1:14**
